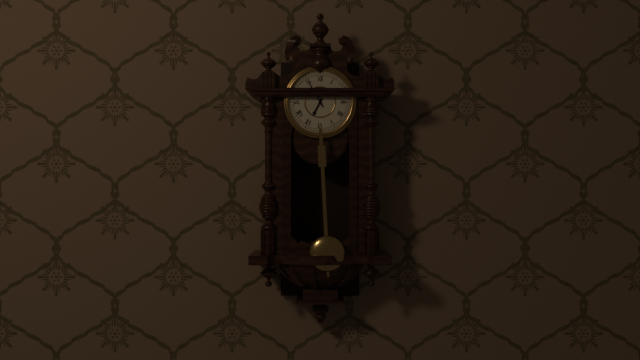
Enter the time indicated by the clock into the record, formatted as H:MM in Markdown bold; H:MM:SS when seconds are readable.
**6:55**
